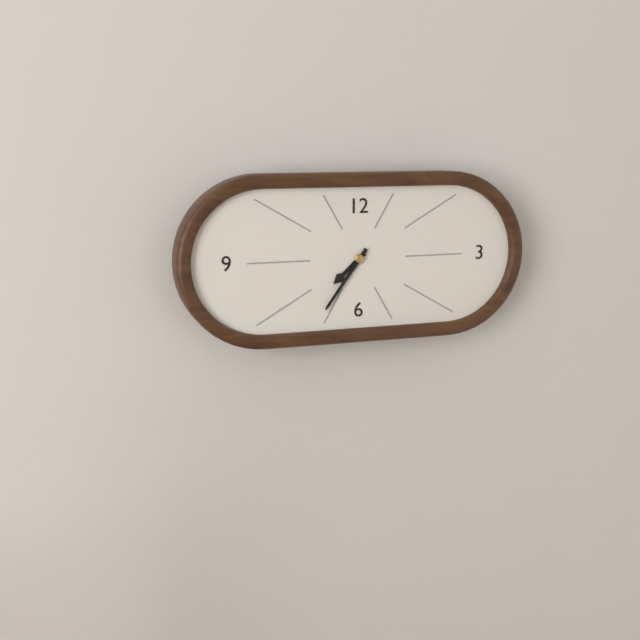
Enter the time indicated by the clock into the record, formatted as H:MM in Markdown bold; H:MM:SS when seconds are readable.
**7:36**
